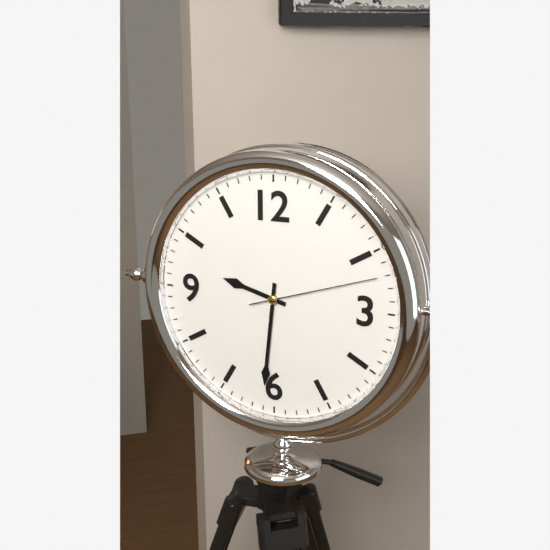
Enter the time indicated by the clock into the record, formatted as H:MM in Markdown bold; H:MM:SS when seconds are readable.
**9:31:12**
